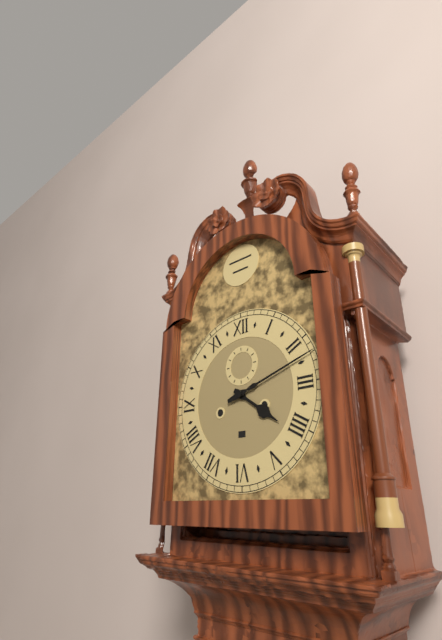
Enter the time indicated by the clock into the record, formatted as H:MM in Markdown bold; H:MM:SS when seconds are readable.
**4:12**
